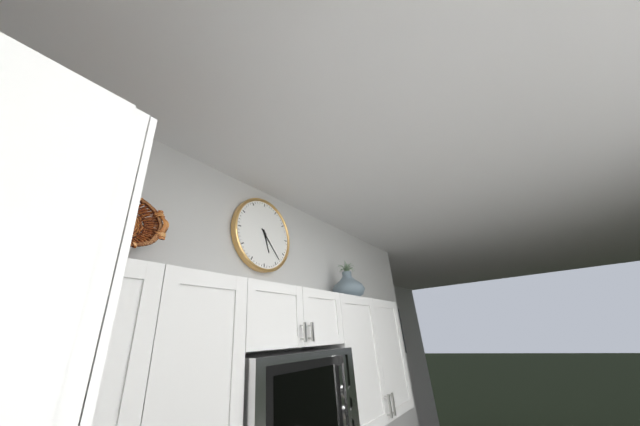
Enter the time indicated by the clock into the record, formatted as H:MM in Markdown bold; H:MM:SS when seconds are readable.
**5:23**
